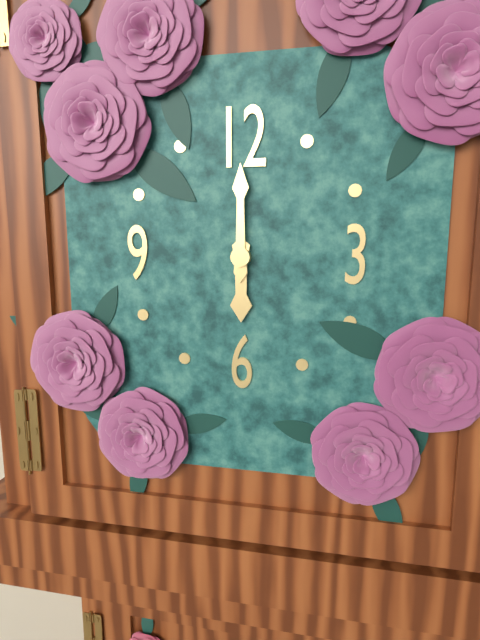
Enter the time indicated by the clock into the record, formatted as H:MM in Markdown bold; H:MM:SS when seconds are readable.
**6:00**
